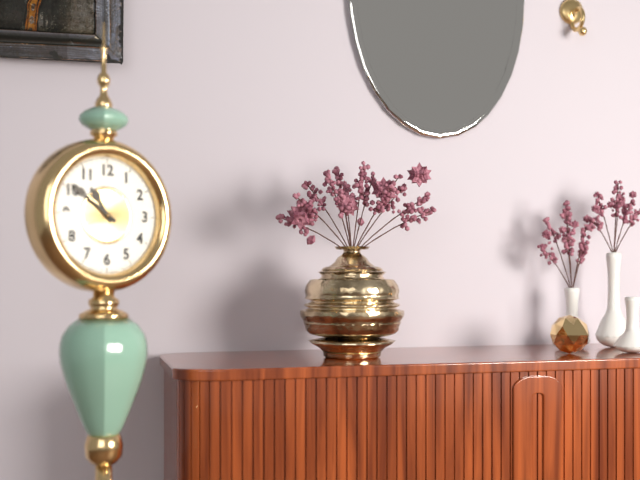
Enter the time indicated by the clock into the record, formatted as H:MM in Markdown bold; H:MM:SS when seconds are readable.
**10:51**
